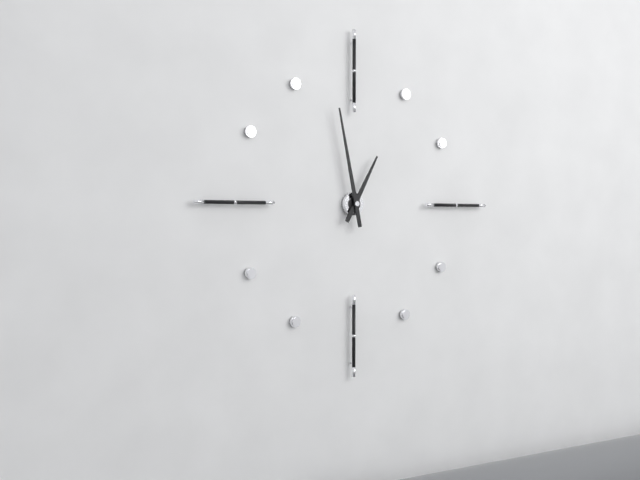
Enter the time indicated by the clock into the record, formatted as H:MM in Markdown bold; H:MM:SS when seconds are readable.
**12:58**
